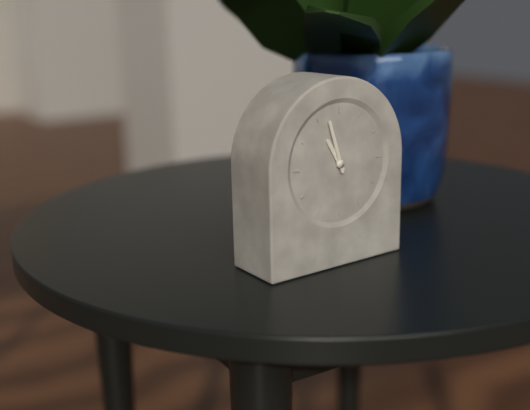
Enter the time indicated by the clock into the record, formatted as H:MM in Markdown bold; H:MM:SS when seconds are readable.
**10:57**
